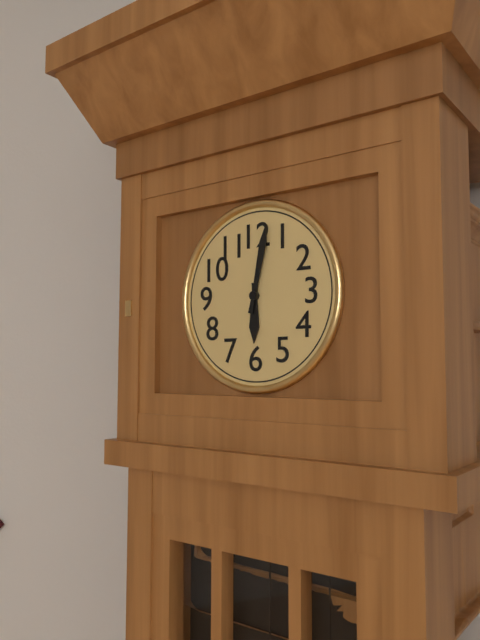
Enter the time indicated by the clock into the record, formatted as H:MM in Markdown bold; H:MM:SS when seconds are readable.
**6:02**
